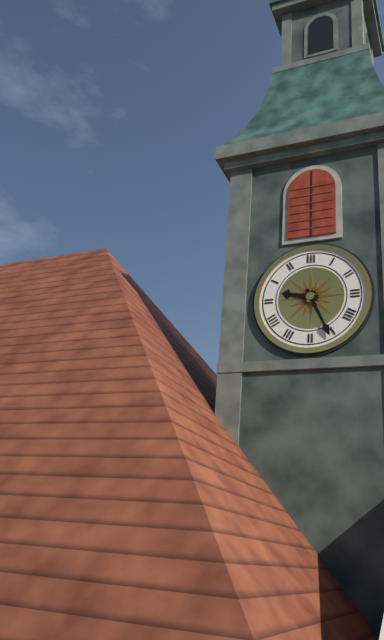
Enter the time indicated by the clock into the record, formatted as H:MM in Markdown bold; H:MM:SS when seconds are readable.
**9:26**
